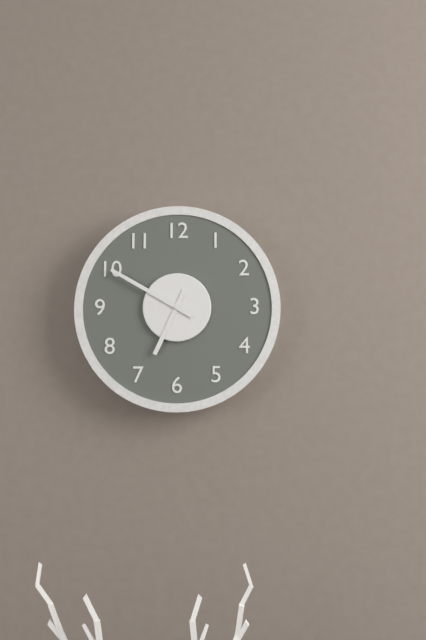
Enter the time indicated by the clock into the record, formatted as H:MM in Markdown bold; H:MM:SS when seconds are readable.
**6:50**
